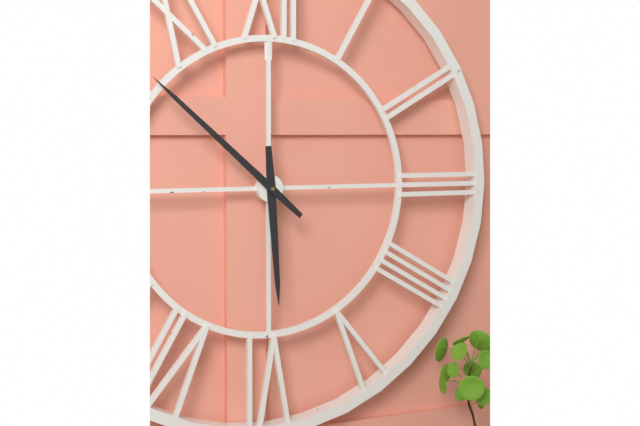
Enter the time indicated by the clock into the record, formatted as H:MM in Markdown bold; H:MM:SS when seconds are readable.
**5:52**
